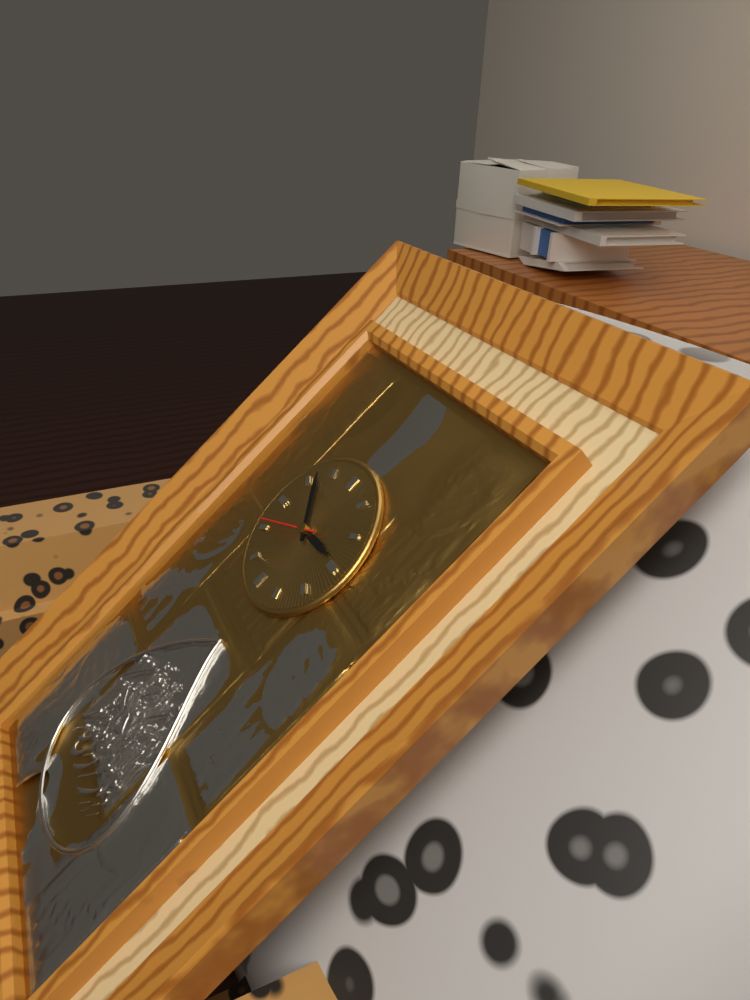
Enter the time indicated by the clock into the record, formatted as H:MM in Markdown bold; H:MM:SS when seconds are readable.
**2:52:41**
